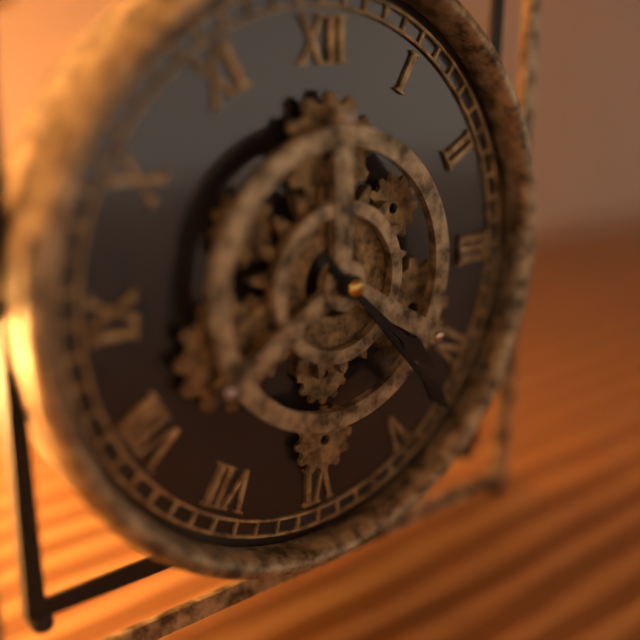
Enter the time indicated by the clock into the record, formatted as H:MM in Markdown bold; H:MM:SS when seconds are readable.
**4:23**
